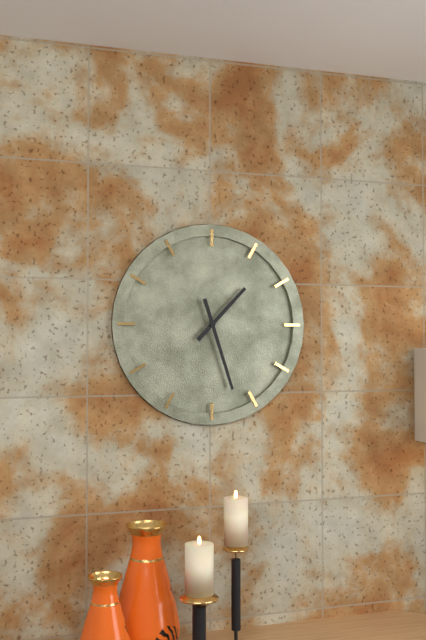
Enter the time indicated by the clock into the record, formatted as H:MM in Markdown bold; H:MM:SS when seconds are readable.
**1:27**
